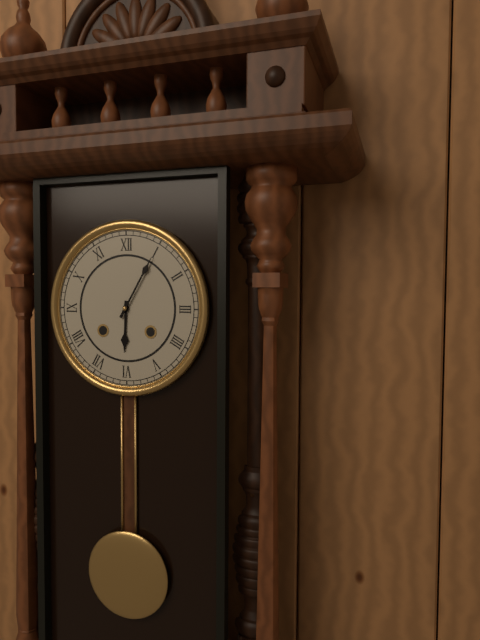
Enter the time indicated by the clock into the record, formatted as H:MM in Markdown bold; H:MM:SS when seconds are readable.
**6:05**
